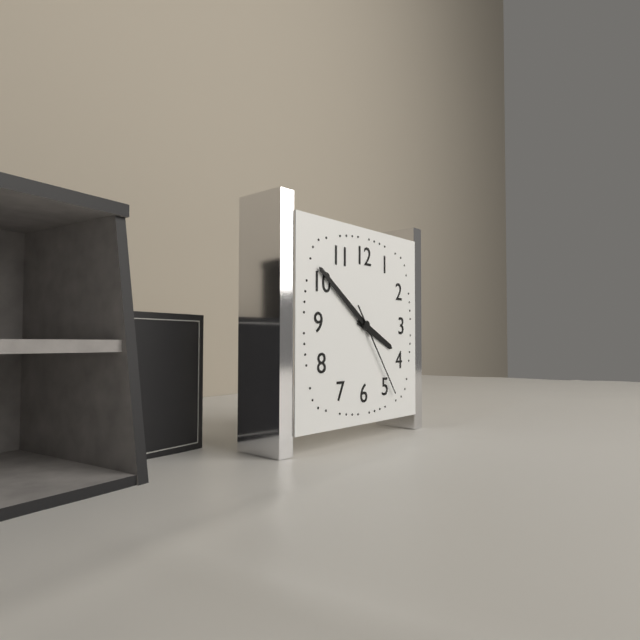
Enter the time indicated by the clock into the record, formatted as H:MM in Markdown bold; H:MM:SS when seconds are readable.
**3:51:24**
